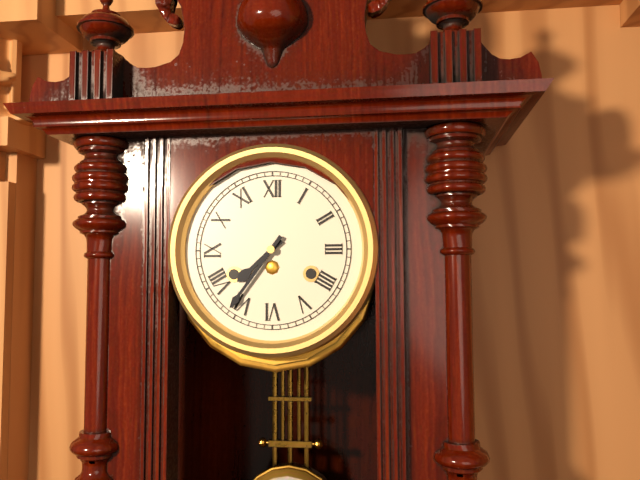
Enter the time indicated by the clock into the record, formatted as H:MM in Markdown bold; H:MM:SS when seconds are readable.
**7:36**
